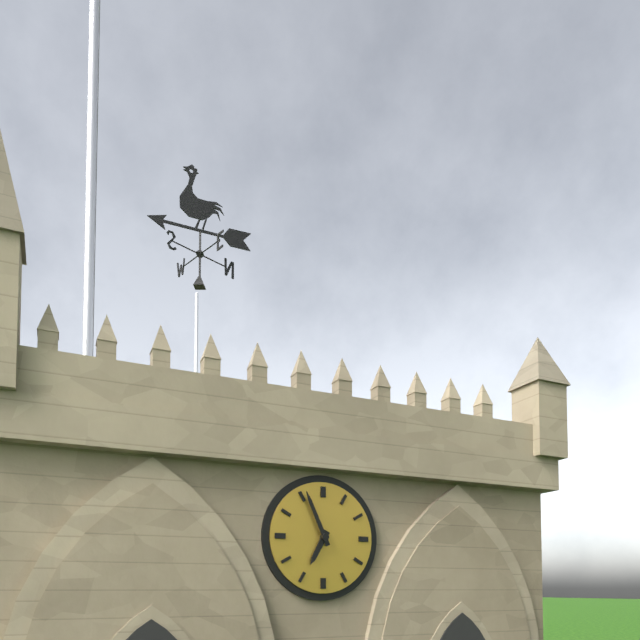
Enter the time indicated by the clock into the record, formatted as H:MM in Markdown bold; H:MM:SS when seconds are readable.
**6:56**
